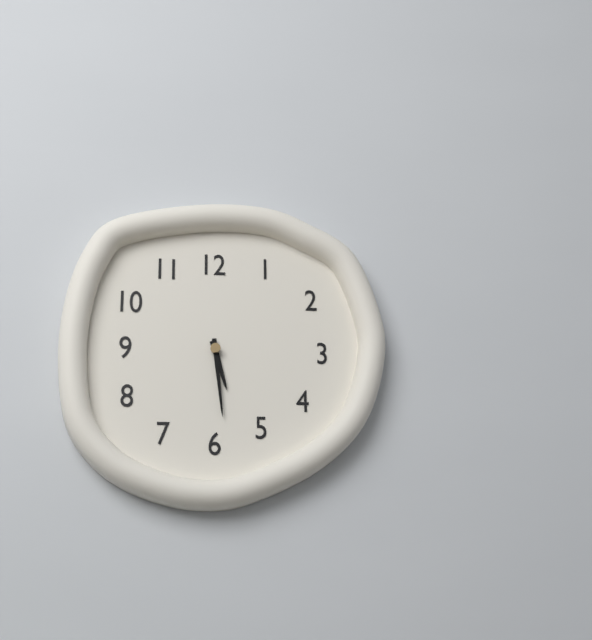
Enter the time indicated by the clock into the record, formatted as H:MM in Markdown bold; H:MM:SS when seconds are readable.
**5:29**
